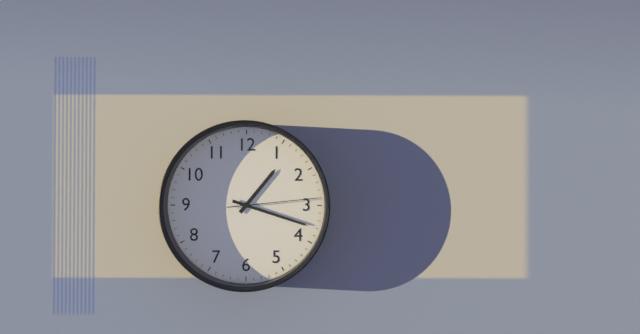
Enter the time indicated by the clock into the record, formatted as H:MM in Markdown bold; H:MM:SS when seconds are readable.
**1:18:14**
